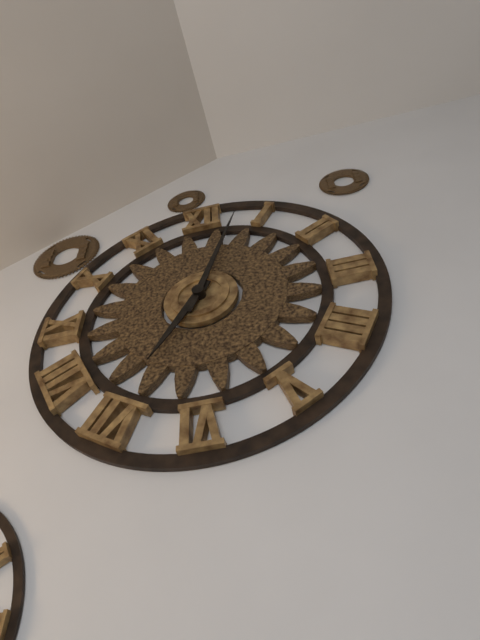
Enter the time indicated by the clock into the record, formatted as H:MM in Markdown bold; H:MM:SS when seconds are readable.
**7:03**
